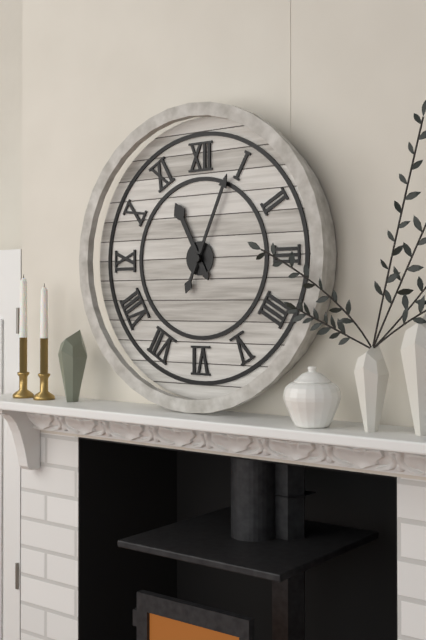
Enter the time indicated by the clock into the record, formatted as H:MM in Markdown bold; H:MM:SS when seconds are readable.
**11:04**
